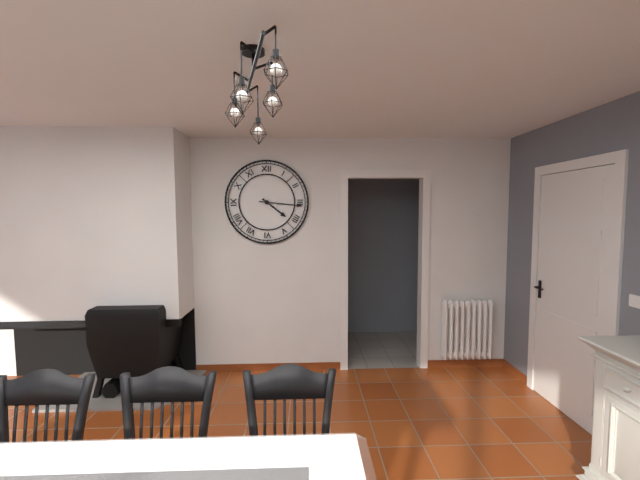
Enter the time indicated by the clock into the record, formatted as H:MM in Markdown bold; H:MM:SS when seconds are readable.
**4:16**
